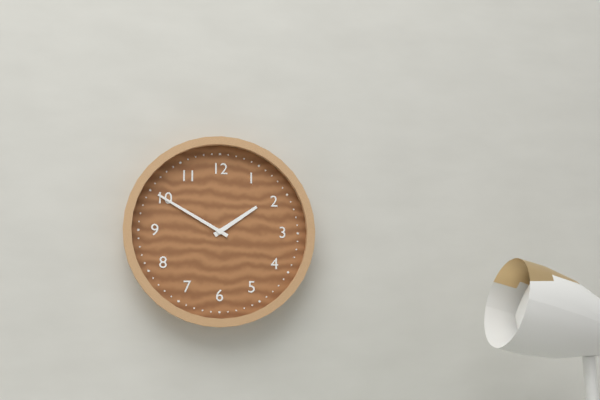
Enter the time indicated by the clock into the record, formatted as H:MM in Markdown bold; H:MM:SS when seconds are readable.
**1:50**
